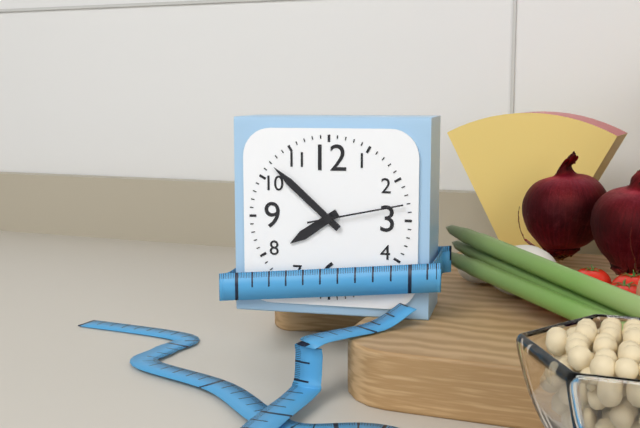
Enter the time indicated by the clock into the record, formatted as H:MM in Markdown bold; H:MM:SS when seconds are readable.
**7:52:13**
